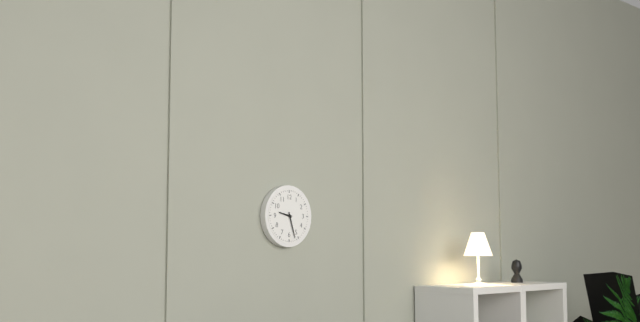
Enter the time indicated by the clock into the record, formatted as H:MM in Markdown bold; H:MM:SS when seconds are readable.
**9:27**
